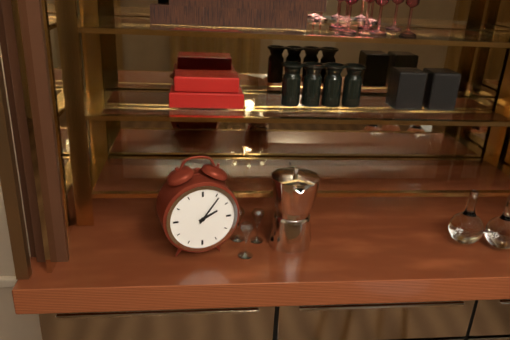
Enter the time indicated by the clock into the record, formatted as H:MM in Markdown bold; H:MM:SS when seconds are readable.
**2:06**
